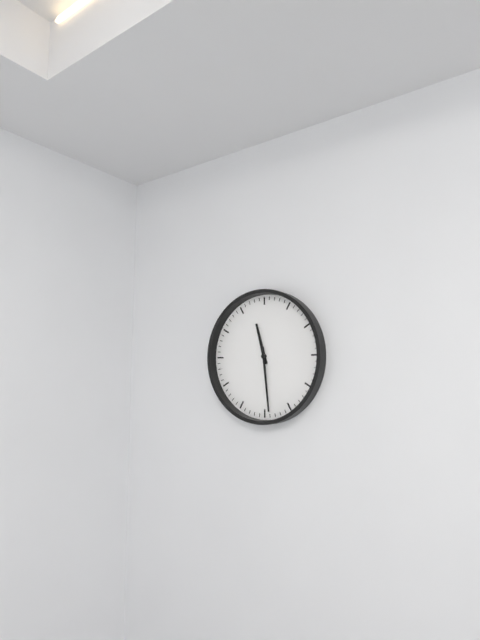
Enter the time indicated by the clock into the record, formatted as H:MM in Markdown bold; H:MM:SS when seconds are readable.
**11:29**
